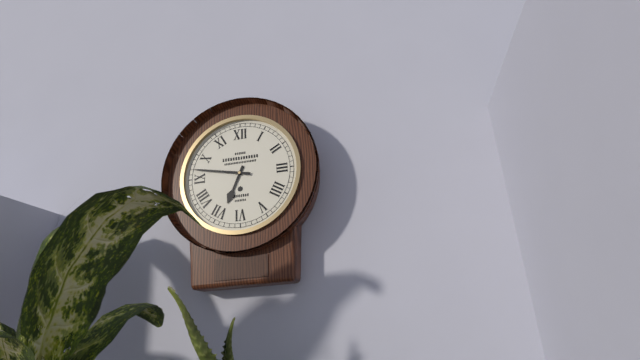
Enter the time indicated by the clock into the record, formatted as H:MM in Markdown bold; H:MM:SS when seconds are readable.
**6:47**
